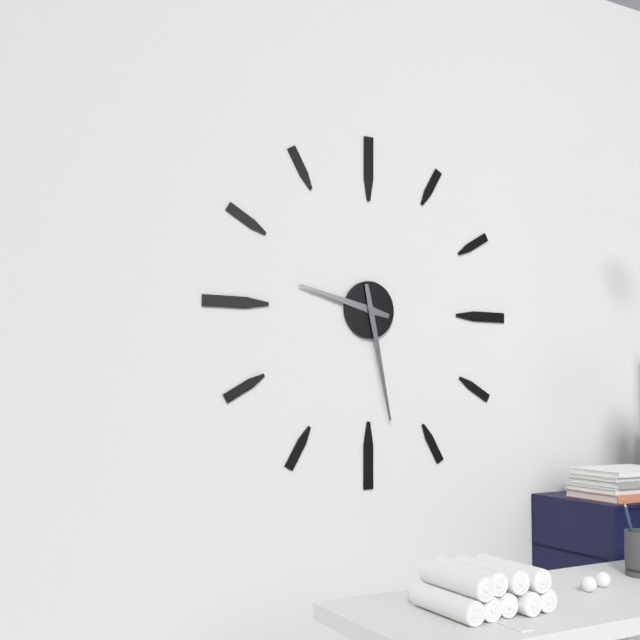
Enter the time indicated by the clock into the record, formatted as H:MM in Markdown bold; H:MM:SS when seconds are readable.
**9:28**
